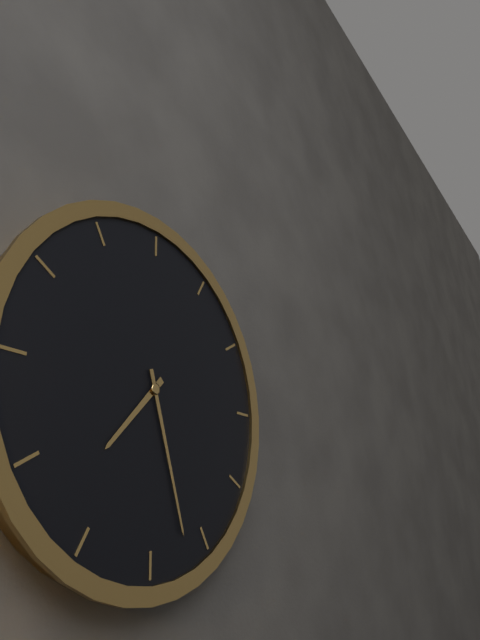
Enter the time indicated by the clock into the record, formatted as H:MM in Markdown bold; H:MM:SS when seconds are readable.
**7:27**
